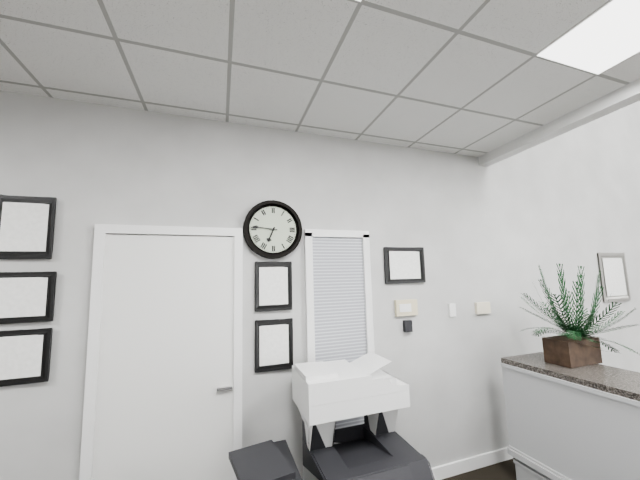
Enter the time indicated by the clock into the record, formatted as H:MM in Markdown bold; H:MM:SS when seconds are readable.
**6:46**
